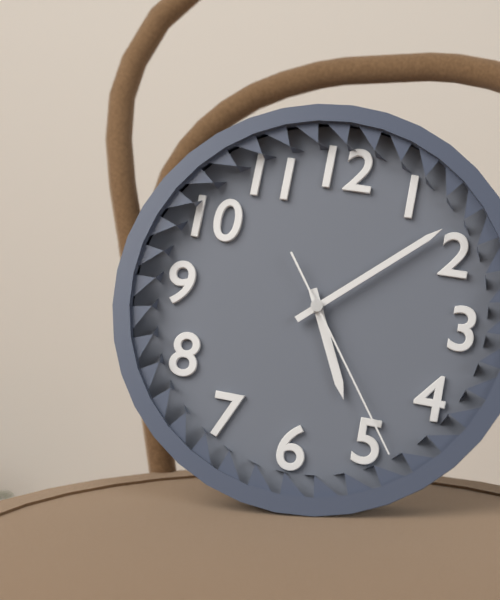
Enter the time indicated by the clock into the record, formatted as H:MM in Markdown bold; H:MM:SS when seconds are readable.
**5:08:24**
